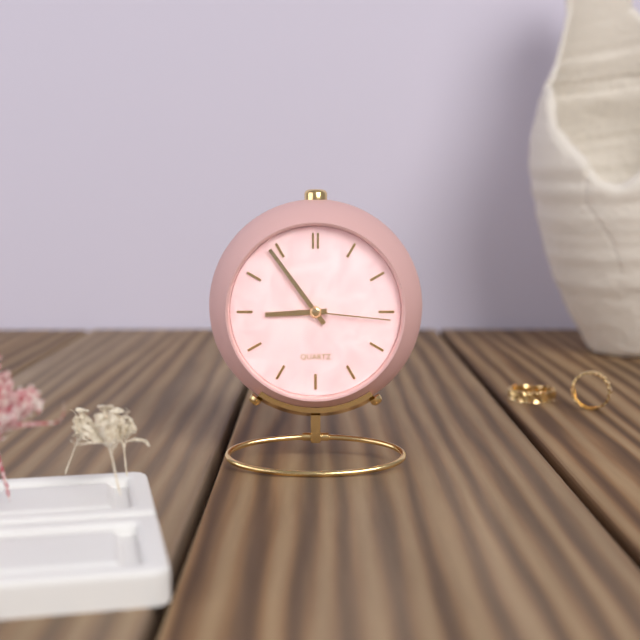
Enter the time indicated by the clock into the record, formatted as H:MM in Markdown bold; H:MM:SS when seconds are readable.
**8:54:16**
